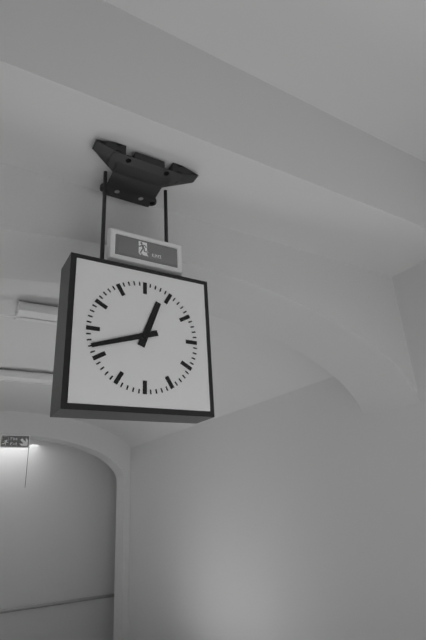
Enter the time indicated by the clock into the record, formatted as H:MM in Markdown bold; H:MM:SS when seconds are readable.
**12:42**
